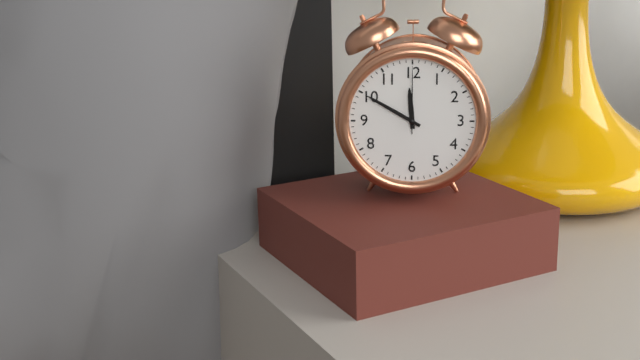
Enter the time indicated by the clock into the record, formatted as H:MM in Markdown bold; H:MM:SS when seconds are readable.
**11:50:00**
